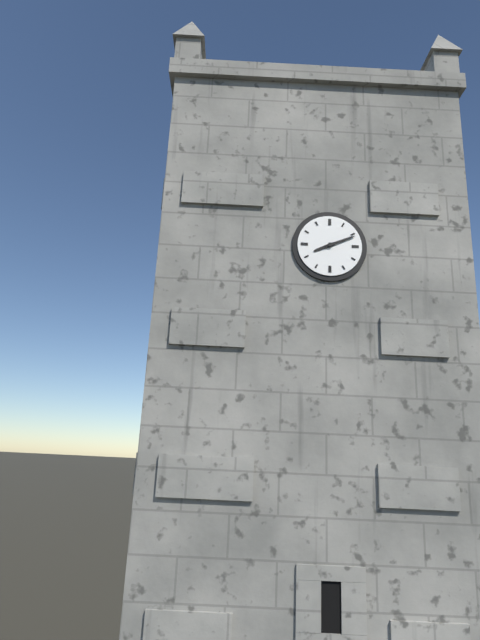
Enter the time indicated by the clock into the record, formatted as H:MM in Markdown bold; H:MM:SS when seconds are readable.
**8:11**
